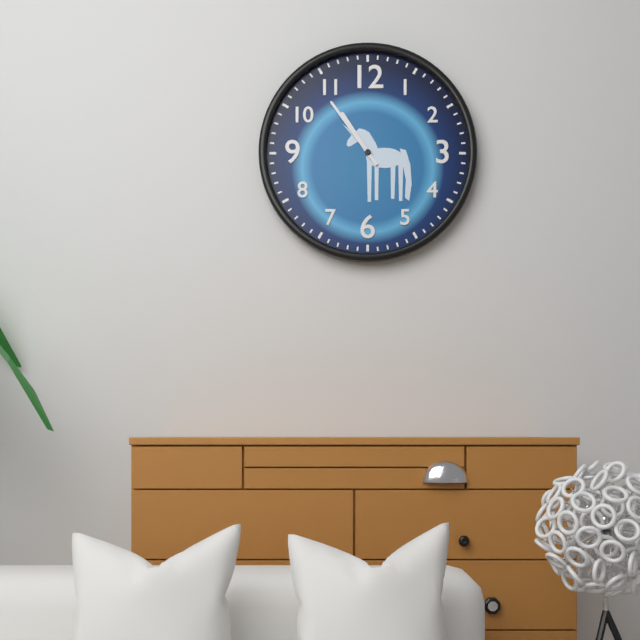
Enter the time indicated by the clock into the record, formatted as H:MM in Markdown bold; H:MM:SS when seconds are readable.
**10:54**
